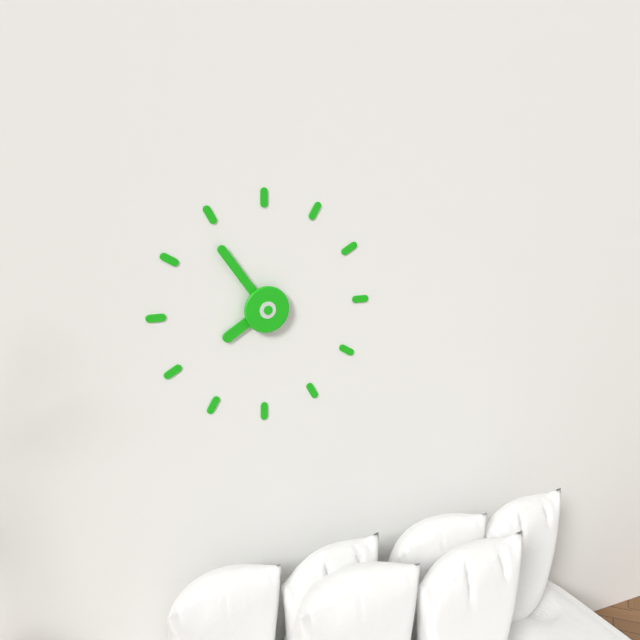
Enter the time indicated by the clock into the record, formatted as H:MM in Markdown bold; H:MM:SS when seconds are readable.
**7:54**
